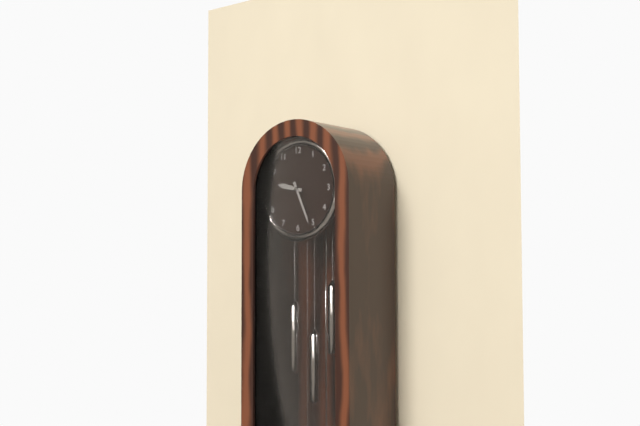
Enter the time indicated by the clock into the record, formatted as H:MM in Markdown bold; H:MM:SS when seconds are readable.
**9:26**
